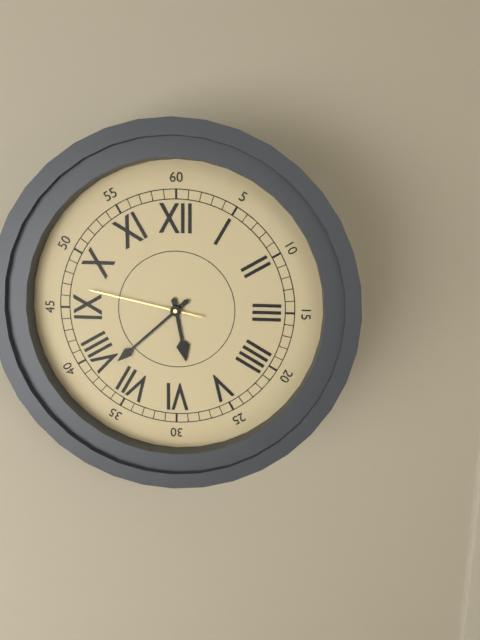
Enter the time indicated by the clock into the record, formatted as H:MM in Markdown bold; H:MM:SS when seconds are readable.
**5:38:47**
